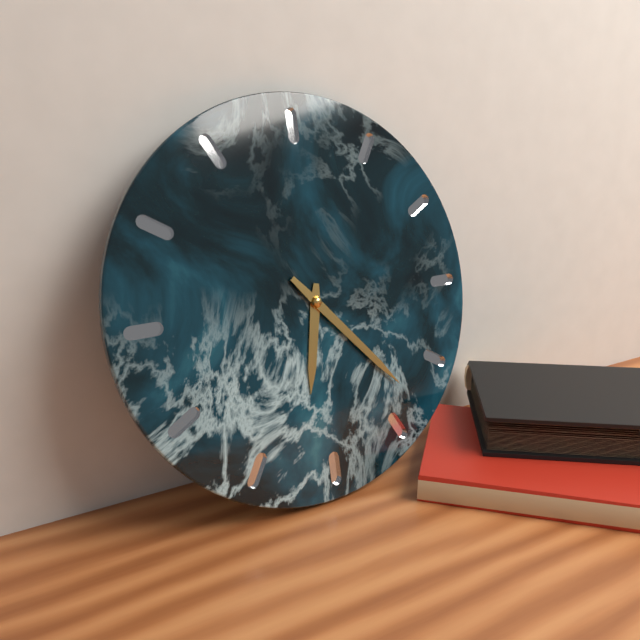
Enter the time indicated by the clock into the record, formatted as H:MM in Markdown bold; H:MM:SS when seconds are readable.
**6:23**
